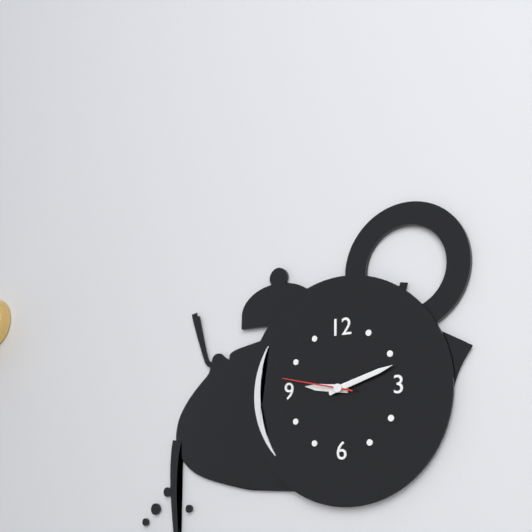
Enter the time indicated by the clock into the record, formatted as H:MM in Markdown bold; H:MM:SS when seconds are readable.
**9:12:47**
